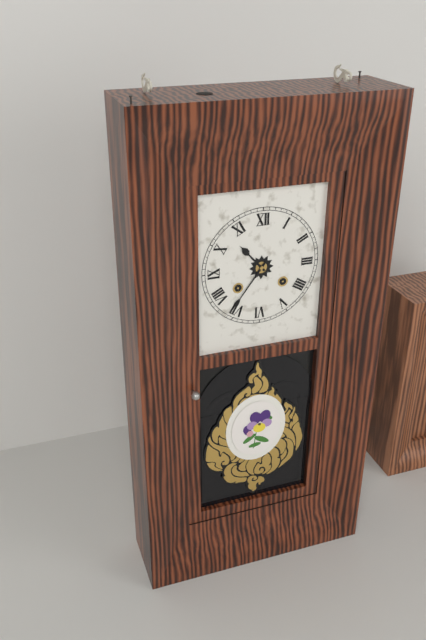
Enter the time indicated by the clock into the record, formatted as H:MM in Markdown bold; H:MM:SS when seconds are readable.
**10:36**
